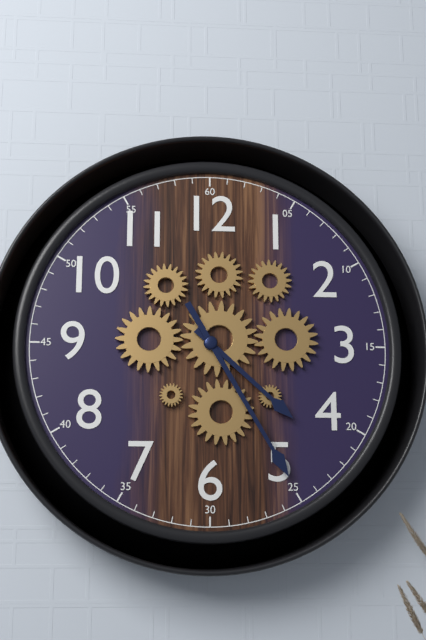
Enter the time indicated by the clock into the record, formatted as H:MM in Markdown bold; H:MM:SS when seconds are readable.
**4:25**
